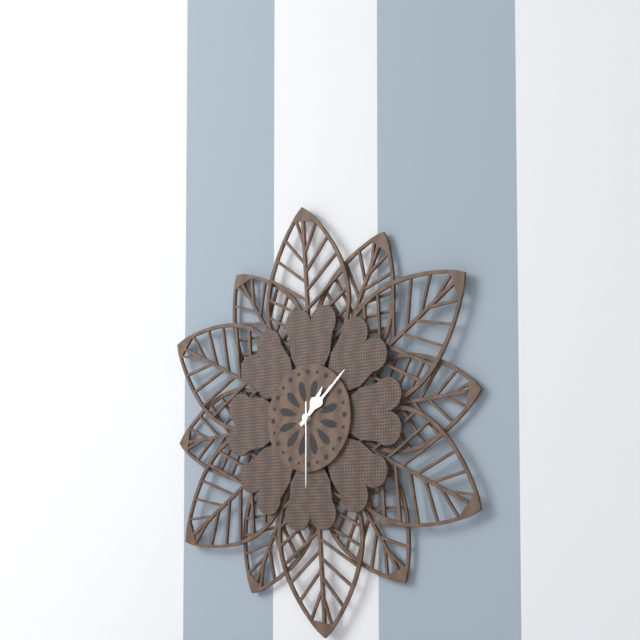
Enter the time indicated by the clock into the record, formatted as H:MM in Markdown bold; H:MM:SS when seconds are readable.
**1:08:30**
